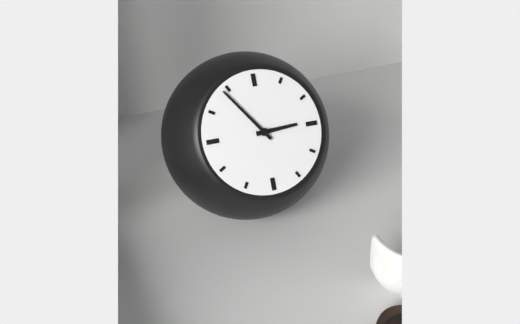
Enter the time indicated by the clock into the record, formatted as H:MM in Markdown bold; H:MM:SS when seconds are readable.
**2:54**
